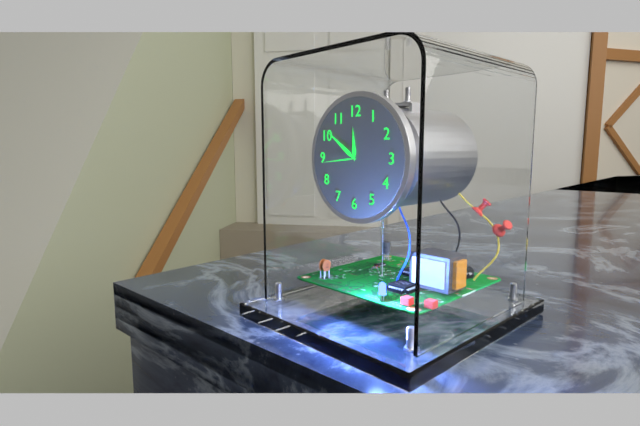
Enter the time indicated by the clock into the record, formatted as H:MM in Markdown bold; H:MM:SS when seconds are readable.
**11:51**
